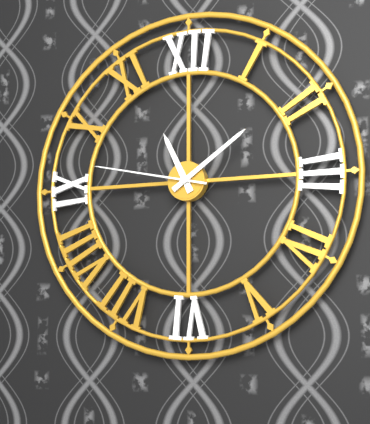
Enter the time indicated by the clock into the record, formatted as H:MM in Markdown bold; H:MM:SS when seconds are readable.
**11:09:47**
